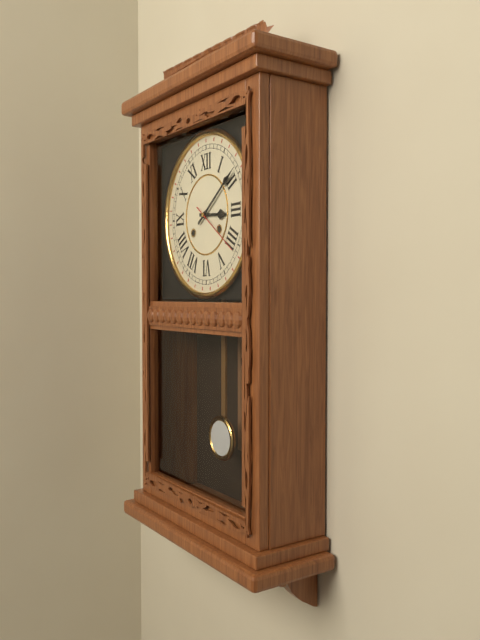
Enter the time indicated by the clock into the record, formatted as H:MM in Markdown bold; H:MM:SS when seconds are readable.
**3:09:21**
